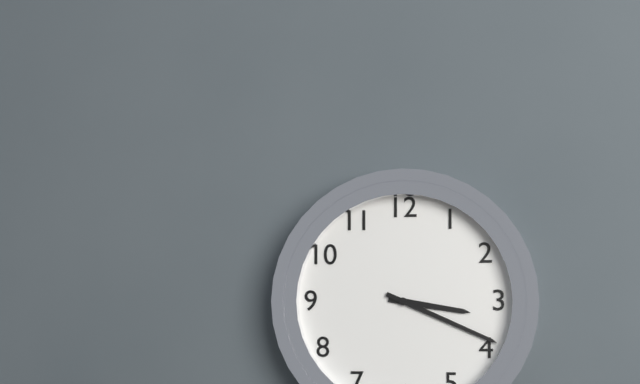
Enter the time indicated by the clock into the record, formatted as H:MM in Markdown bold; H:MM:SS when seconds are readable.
**3:19**
